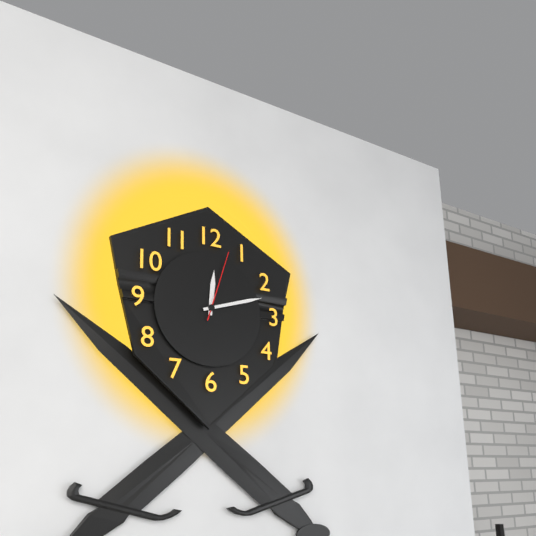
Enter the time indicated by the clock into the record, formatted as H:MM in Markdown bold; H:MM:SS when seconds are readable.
**12:12:03**
